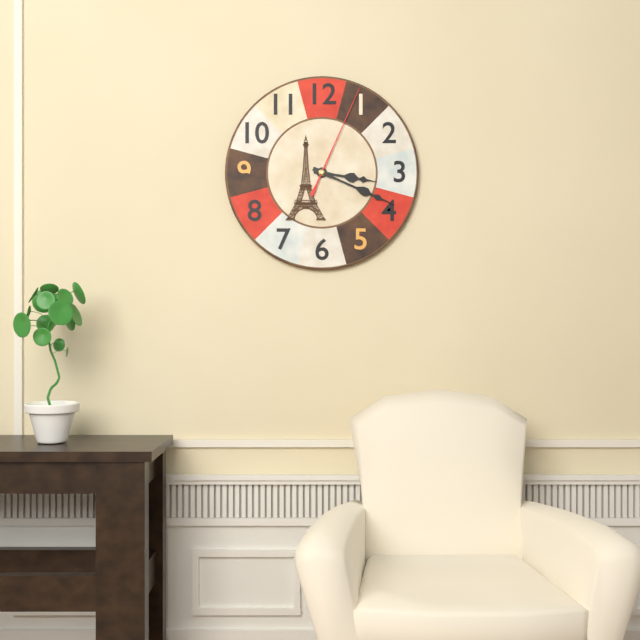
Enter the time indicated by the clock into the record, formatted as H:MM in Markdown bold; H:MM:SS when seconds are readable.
**3:19:04**
